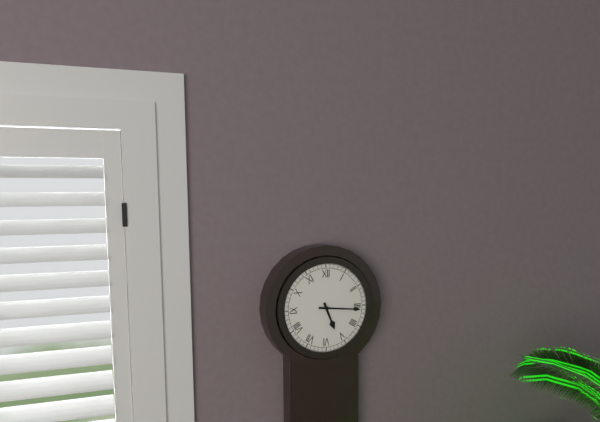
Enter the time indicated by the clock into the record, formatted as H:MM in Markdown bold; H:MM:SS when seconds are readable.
**5:16**
